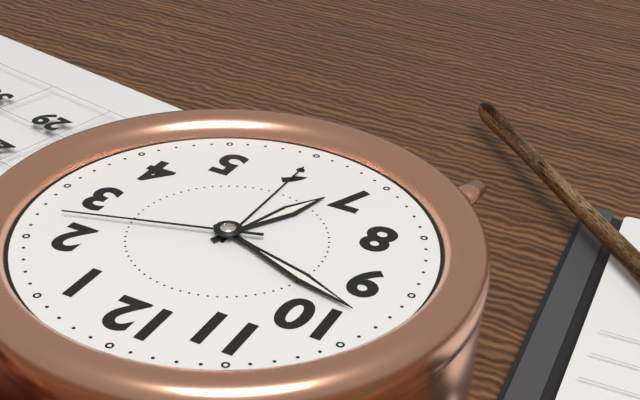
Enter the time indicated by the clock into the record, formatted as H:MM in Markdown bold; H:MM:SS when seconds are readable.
**6:48:12**
